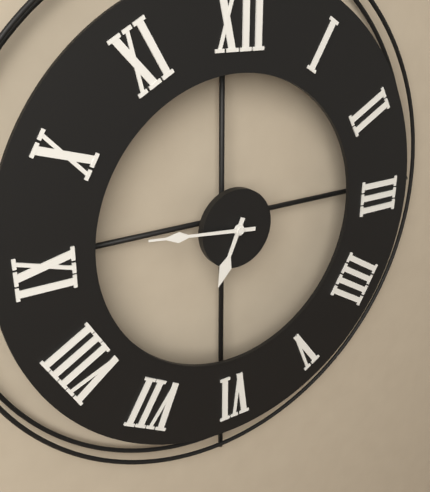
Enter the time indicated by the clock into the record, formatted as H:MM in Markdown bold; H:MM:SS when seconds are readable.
**6:46**
